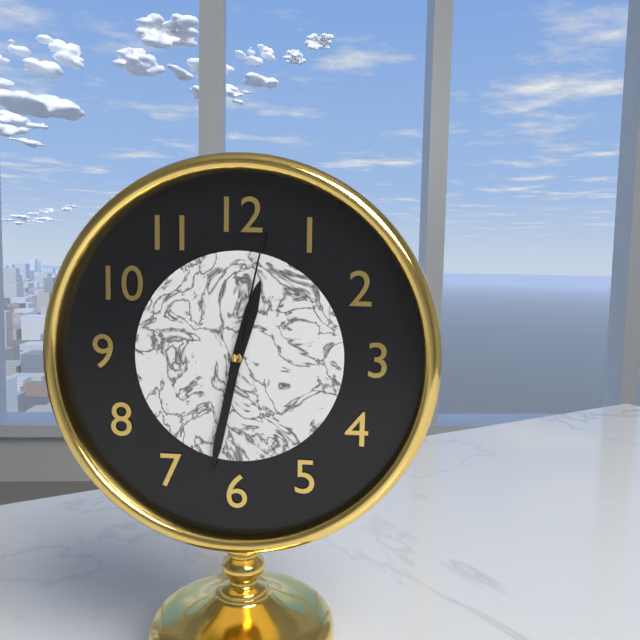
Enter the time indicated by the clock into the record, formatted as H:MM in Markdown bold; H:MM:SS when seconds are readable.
**12:32:02**
